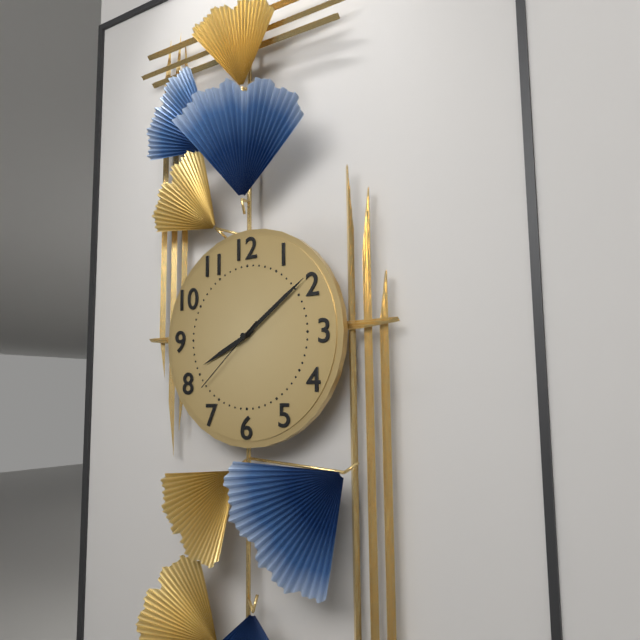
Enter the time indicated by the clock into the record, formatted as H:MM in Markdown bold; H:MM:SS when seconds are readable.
**8:09:38**
